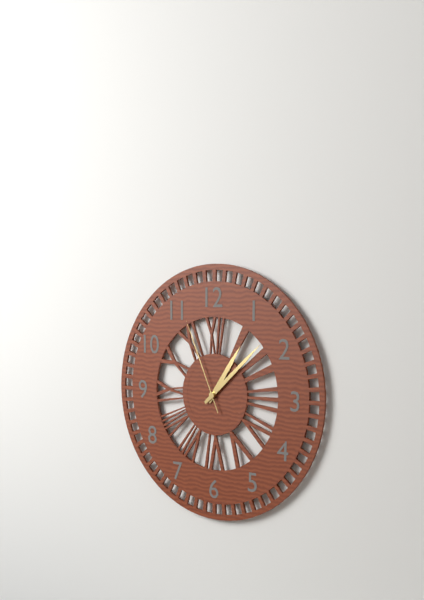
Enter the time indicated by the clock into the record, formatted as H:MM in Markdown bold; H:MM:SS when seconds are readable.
**1:08:56**
